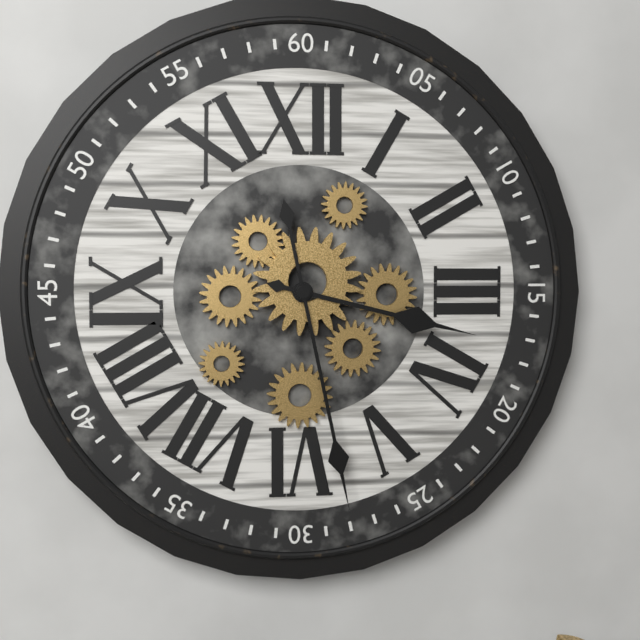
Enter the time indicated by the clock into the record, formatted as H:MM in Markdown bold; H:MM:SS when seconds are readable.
**3:28**
